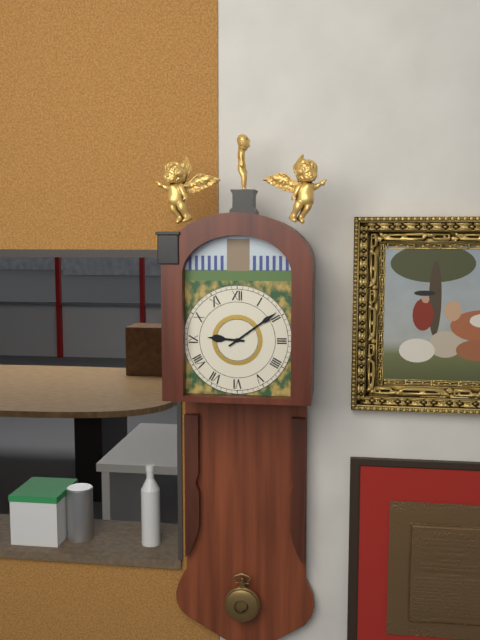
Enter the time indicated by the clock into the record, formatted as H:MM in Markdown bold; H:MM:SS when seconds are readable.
**9:09**
